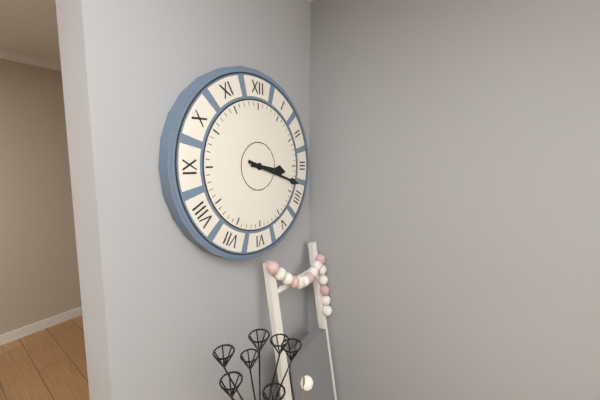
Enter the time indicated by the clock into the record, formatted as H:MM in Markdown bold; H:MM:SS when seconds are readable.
**3:18**
